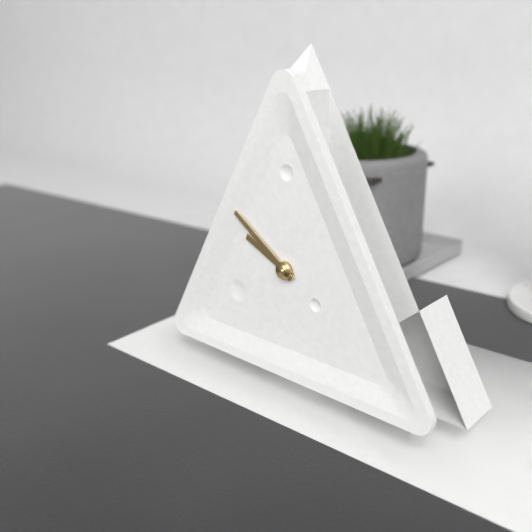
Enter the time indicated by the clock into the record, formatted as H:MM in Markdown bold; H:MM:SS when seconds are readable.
**9:51**
